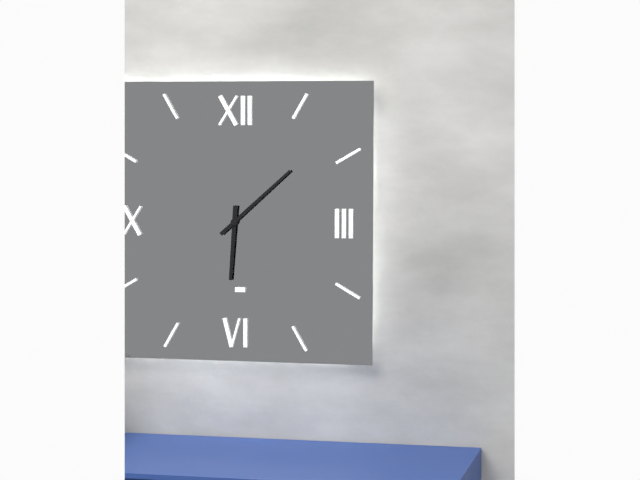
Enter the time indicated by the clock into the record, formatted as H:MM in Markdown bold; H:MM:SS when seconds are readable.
**6:08**
